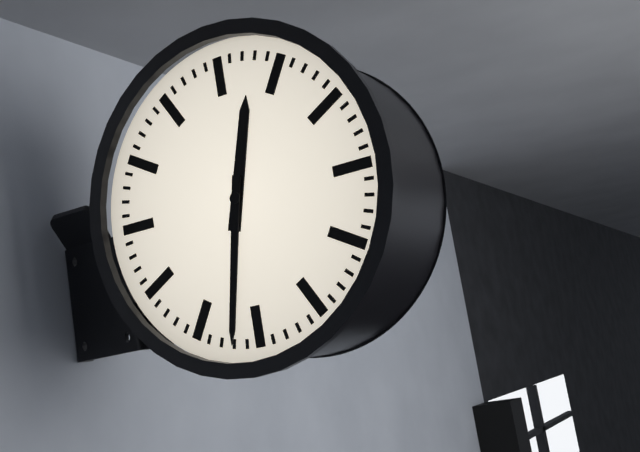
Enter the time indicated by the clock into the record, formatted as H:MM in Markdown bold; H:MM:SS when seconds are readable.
**12:32**
